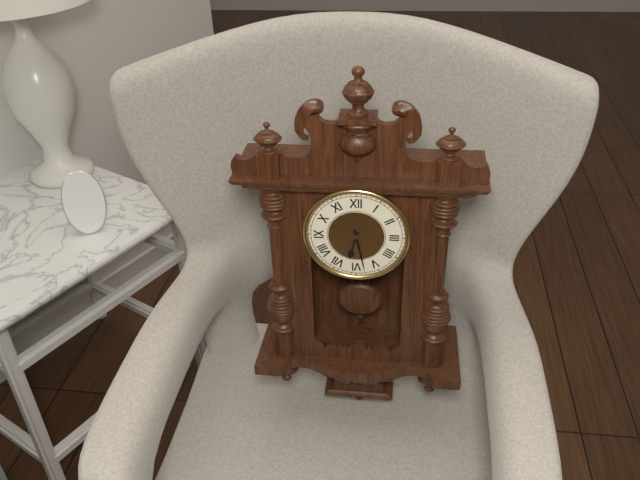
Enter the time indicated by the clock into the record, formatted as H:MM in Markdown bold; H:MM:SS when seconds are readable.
**6:28**
